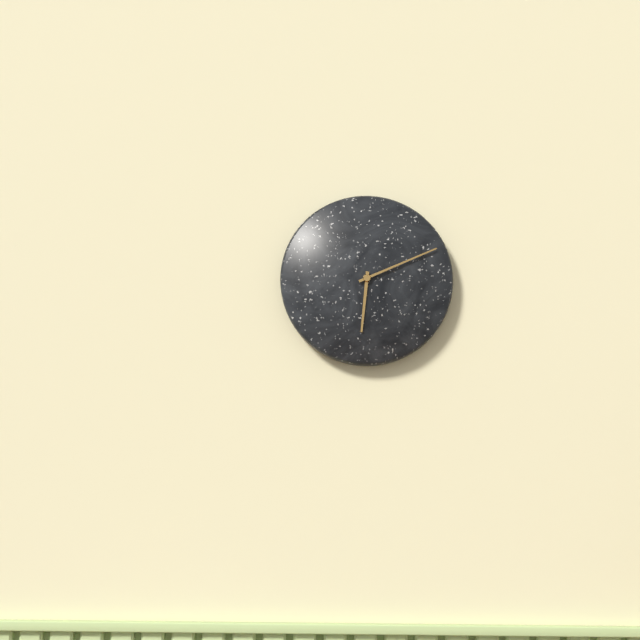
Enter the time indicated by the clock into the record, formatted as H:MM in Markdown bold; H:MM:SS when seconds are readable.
**6:11**
